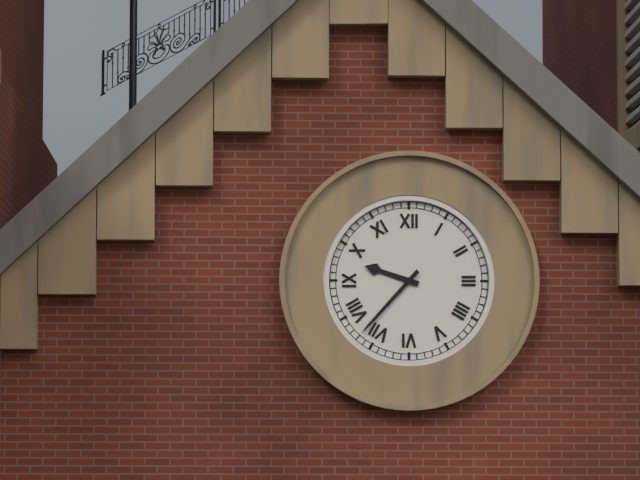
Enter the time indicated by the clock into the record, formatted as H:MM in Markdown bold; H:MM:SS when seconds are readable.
**9:37**
